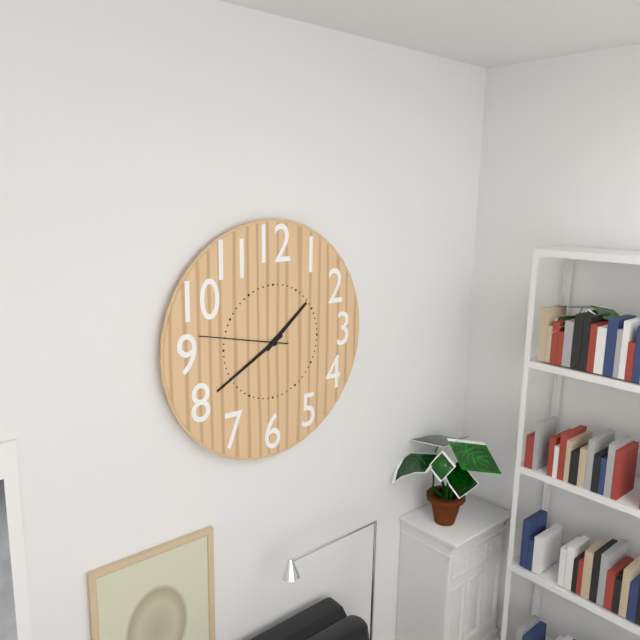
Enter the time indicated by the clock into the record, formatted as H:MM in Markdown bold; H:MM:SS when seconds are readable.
**1:40:47**
